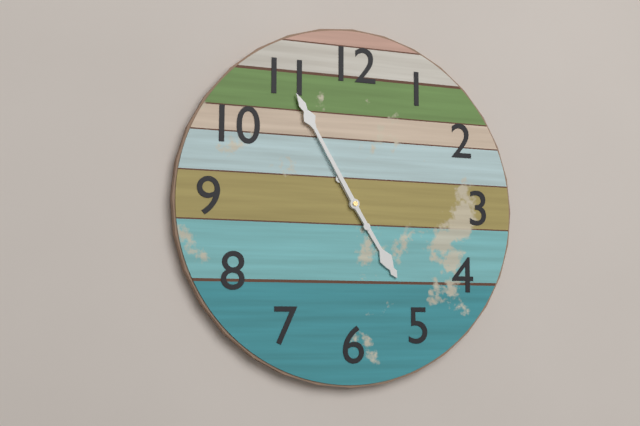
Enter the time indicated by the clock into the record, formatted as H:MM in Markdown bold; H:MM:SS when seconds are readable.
**4:55**
